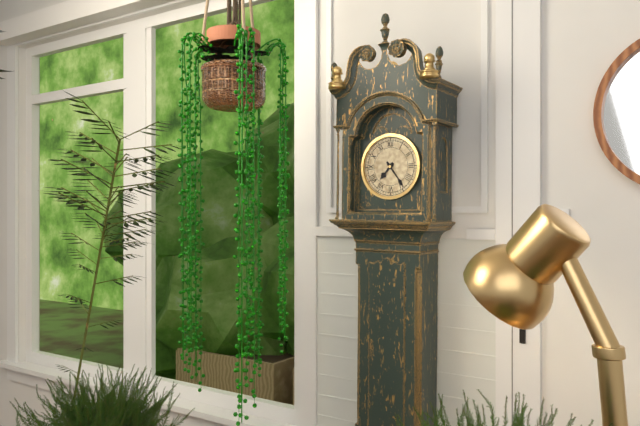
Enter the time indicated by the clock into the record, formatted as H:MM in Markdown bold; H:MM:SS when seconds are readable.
**7:24**
